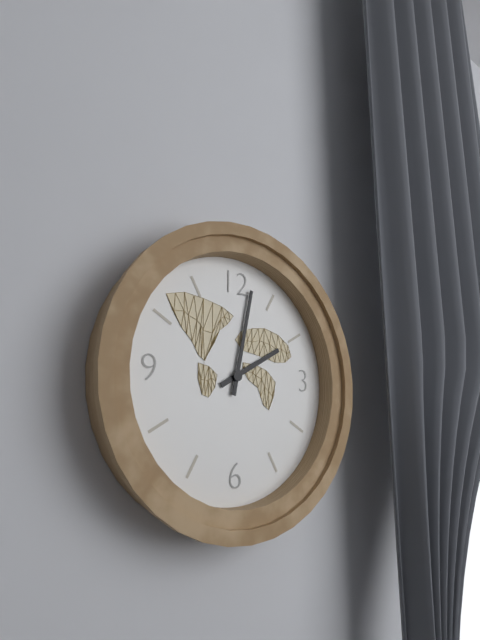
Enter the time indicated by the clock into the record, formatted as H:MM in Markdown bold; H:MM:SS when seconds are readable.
**2:02**
